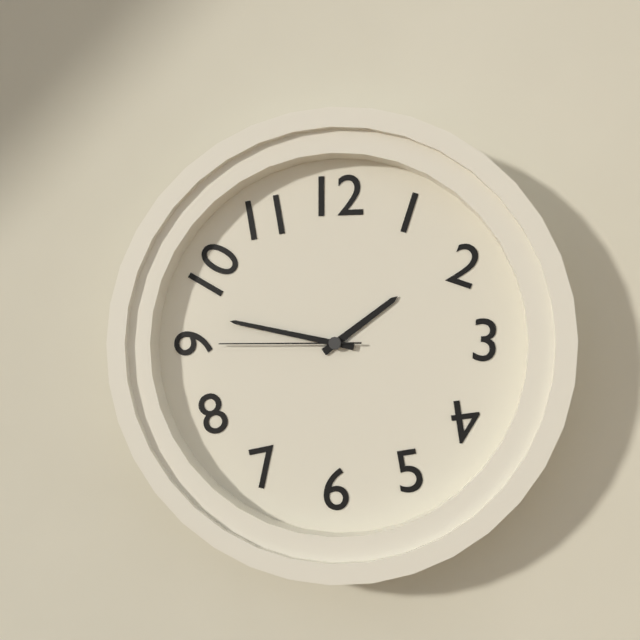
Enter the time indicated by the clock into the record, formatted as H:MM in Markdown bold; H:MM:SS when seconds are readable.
**1:47:45**
